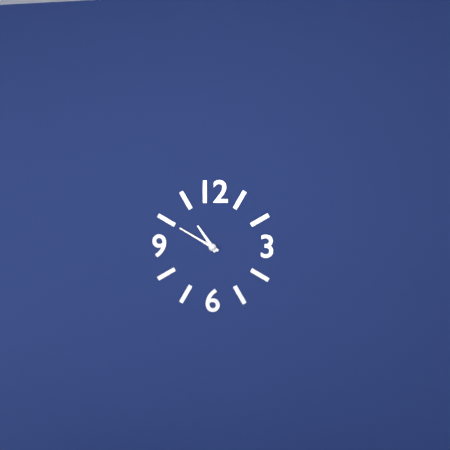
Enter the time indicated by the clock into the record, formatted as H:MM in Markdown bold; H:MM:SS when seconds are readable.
**10:50**
